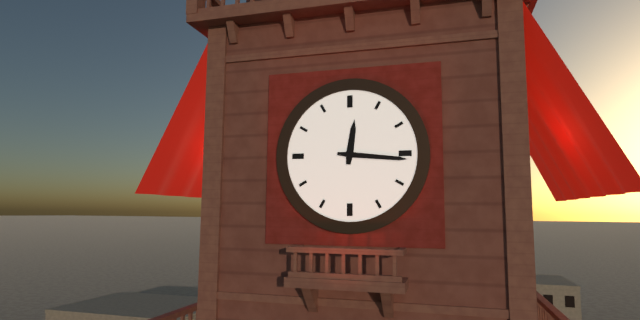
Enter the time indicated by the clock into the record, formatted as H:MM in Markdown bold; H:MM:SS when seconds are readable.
**12:16**
